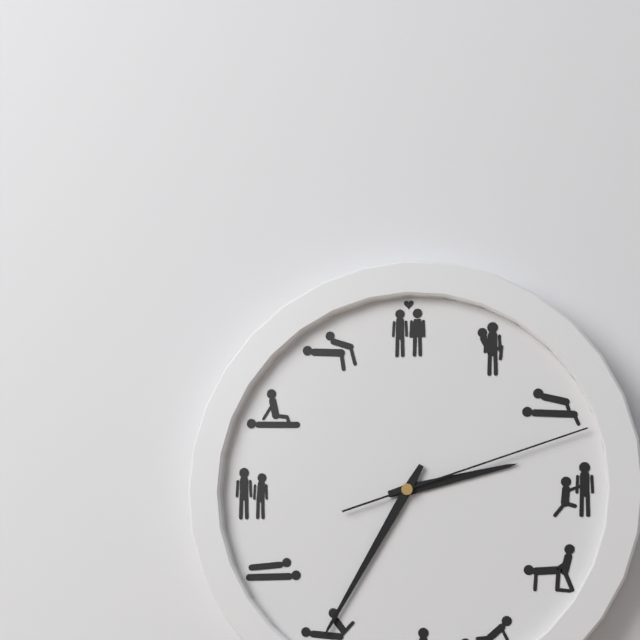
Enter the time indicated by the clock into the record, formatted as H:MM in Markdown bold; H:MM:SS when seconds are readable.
**2:35:12**
